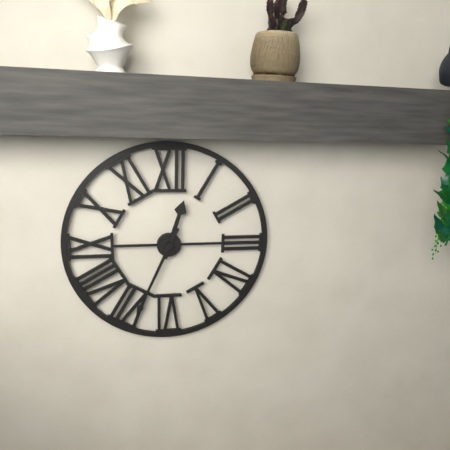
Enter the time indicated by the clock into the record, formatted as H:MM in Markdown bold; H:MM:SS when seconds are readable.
**12:34**
